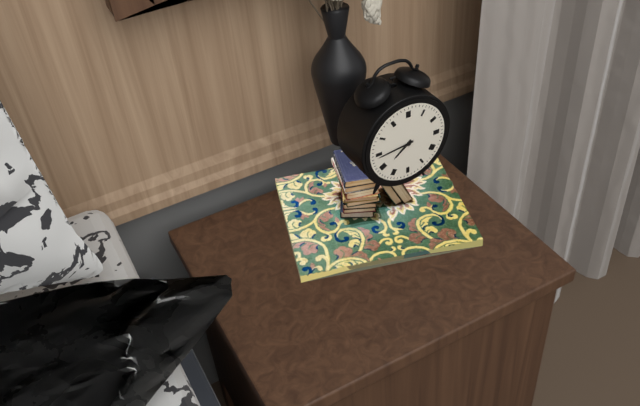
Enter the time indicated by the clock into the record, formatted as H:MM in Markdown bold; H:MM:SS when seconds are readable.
**7:44**
